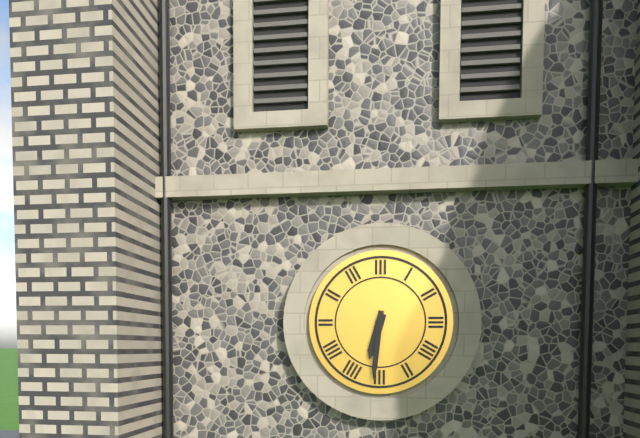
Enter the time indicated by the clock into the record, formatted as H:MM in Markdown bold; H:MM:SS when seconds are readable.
**6:31**
